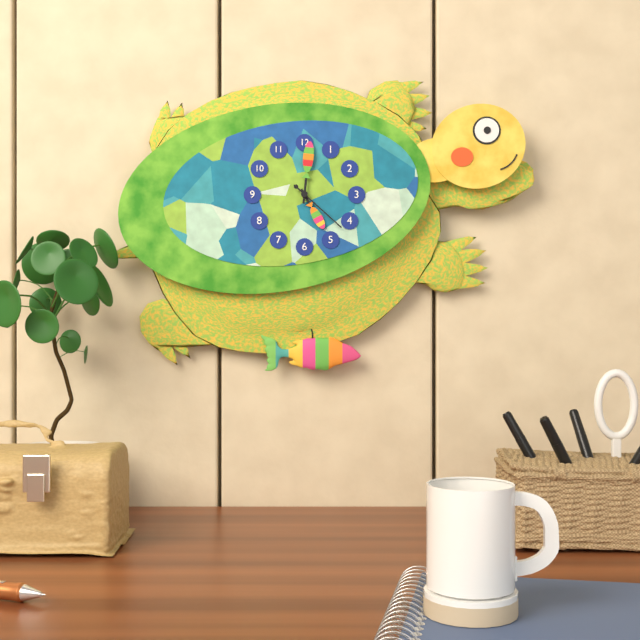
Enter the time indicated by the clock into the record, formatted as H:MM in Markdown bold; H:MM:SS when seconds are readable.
**5:01:22**
